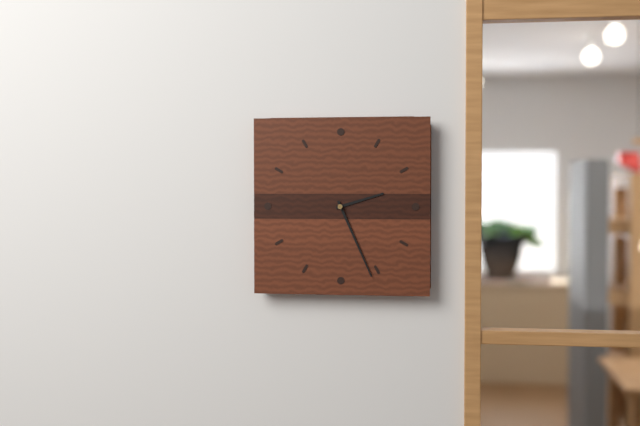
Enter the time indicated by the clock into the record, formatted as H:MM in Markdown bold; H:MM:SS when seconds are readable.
**2:26**
